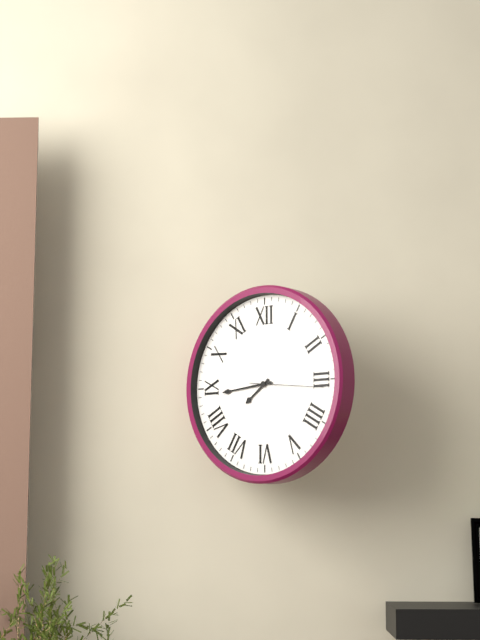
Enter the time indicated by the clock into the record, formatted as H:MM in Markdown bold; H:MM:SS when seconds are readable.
**7:44:16**
